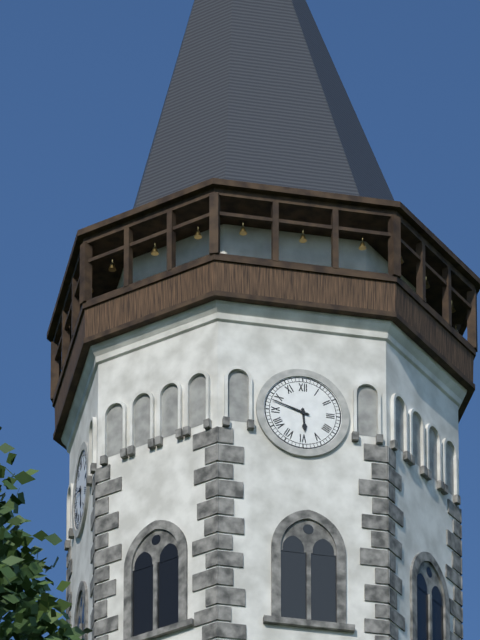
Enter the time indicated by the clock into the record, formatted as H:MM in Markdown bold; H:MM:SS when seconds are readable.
**5:48**
